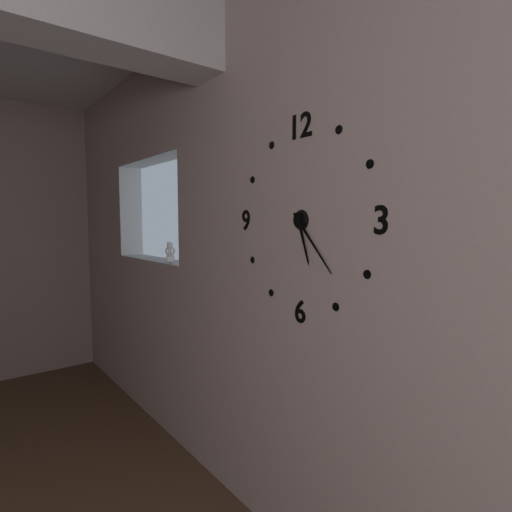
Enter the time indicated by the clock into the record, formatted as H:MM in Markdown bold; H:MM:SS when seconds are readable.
**5:23**
